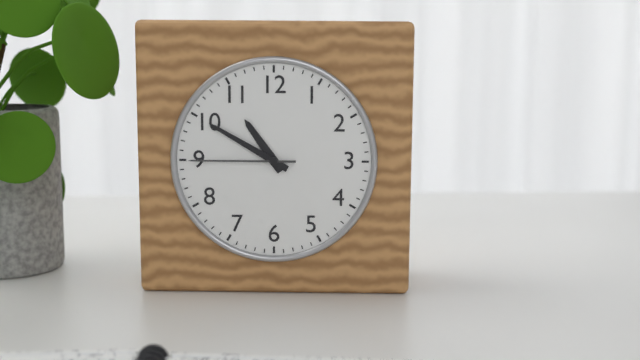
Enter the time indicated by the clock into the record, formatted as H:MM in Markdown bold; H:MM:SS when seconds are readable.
**10:50:45**
